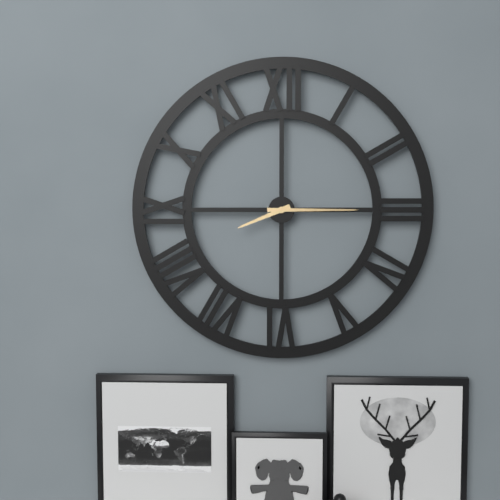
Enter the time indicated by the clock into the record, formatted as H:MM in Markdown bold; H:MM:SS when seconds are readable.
**8:15**
